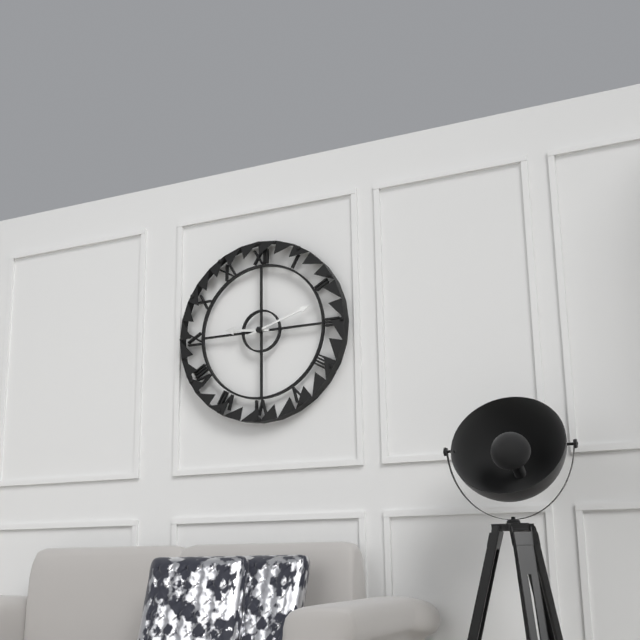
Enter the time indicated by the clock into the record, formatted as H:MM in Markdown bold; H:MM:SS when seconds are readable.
**9:12**
